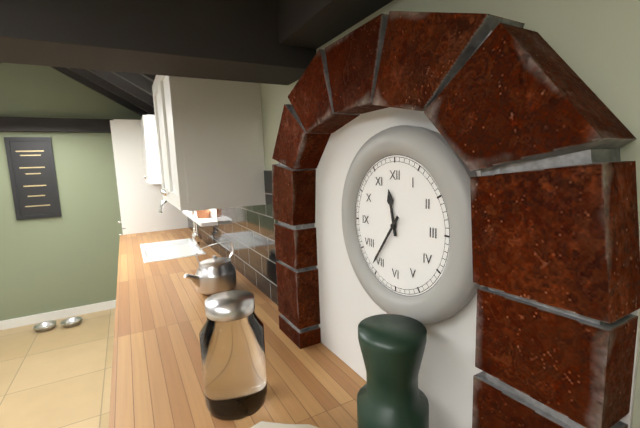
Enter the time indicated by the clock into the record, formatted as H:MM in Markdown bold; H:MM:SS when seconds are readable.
**11:36**
